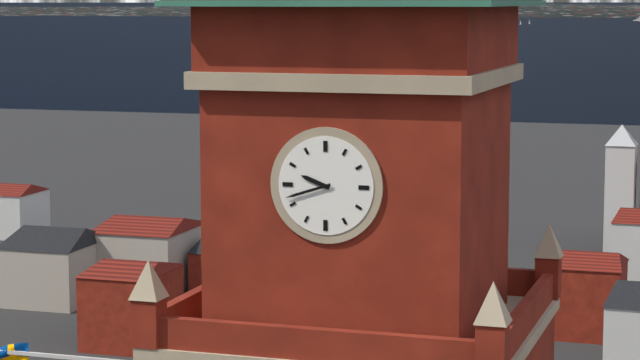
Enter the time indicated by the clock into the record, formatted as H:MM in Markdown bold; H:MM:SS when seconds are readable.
**9:42**
